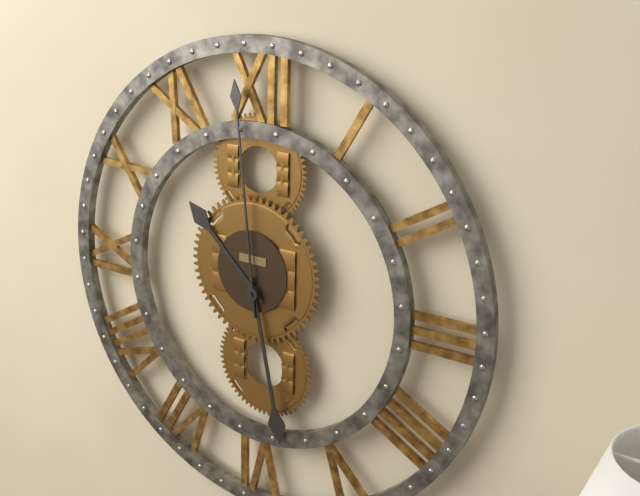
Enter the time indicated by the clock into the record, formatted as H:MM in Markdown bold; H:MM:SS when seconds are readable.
**10:28:59**
